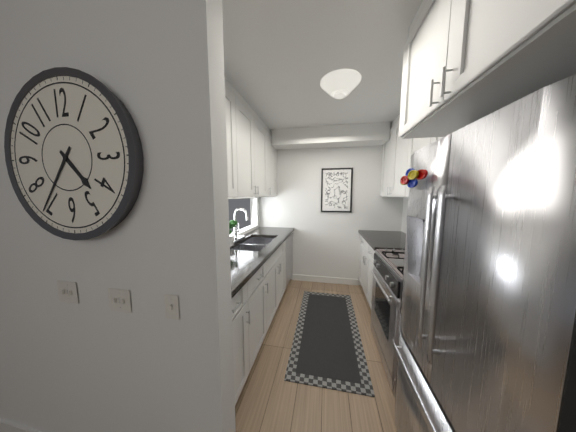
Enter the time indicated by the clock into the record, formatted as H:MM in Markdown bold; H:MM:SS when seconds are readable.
**4:36**
